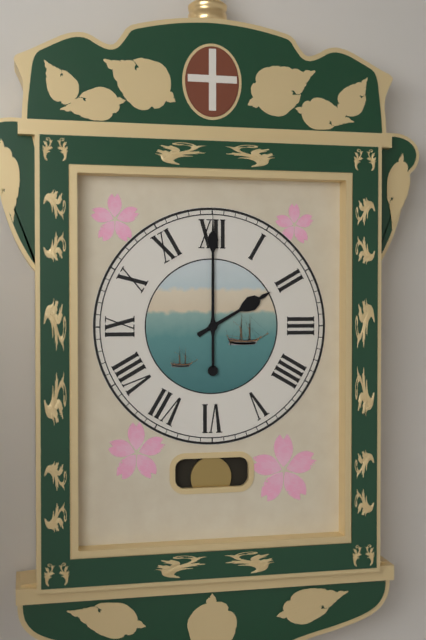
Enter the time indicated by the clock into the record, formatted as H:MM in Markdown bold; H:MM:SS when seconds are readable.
**2:00**
